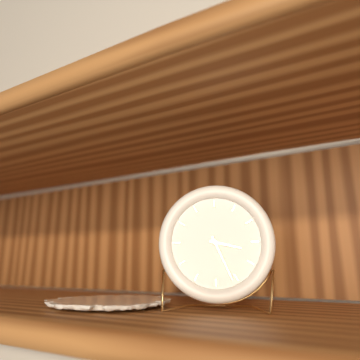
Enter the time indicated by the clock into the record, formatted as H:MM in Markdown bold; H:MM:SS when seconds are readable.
**3:26**
